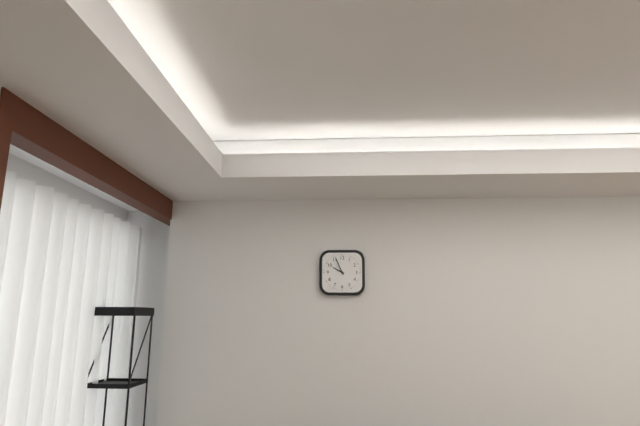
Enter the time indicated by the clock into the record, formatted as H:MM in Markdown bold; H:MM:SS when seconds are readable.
**9:56**
